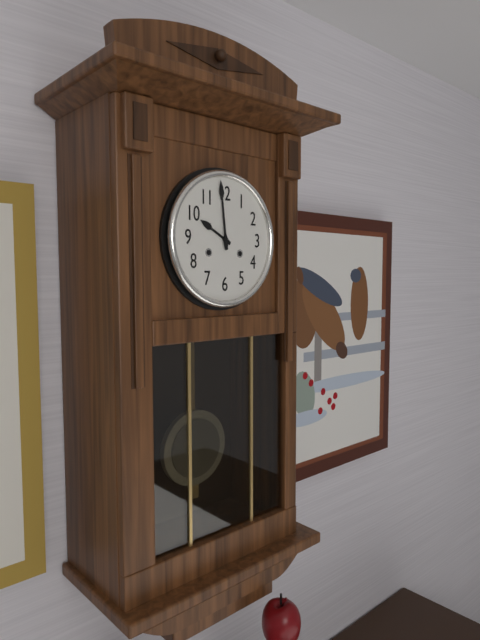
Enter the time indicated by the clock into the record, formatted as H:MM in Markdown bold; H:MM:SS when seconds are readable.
**9:59**
